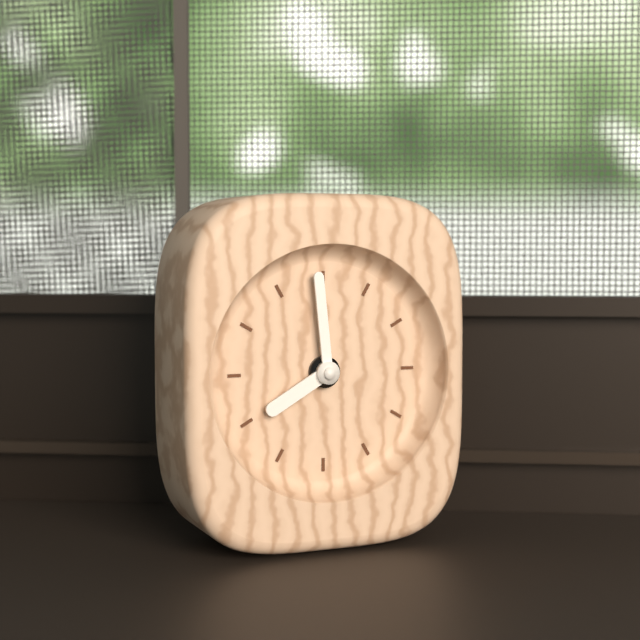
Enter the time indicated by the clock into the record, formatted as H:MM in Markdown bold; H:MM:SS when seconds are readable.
**7:59**
